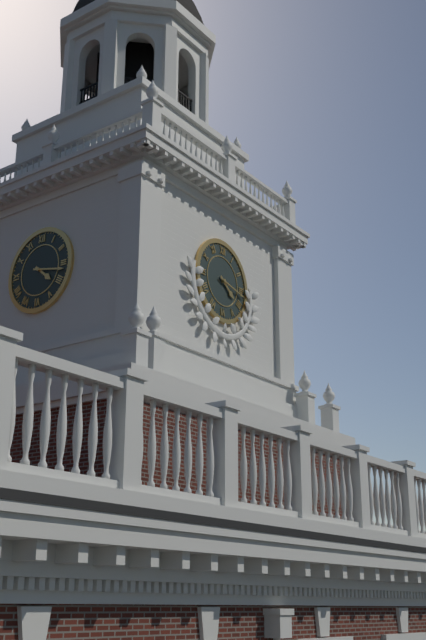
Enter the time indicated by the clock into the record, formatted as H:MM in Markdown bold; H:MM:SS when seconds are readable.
**4:17**
